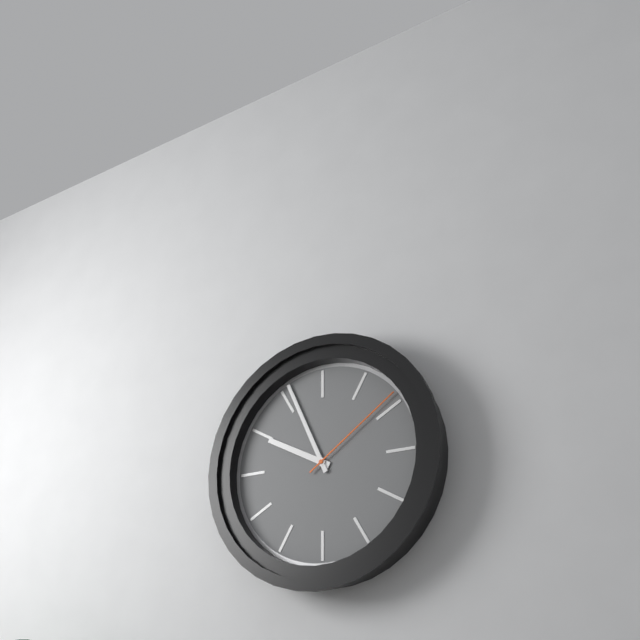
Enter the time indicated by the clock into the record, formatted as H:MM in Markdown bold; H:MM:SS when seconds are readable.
**9:56:09**
